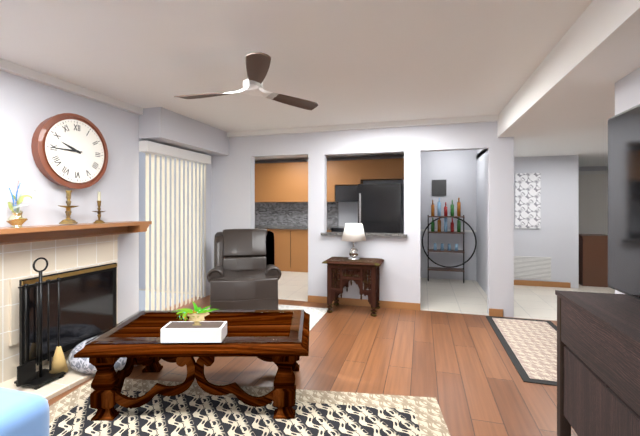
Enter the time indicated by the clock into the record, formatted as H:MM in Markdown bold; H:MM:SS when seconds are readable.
**9:45**
